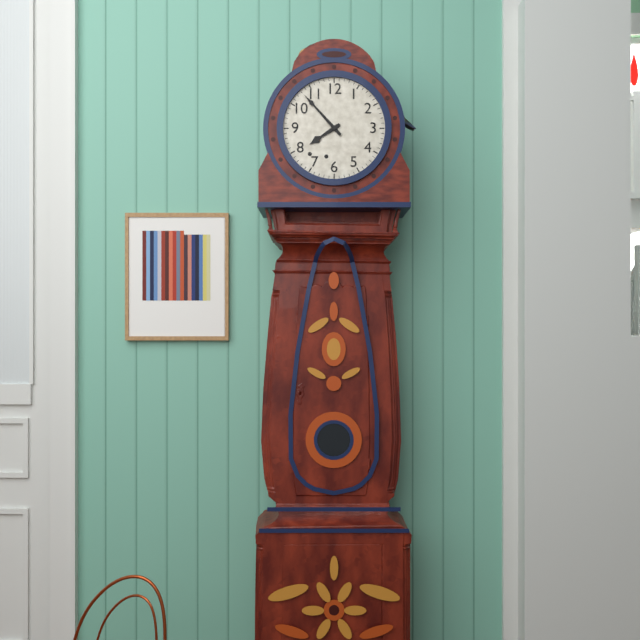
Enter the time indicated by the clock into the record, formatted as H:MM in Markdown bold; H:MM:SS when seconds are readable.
**7:53**
